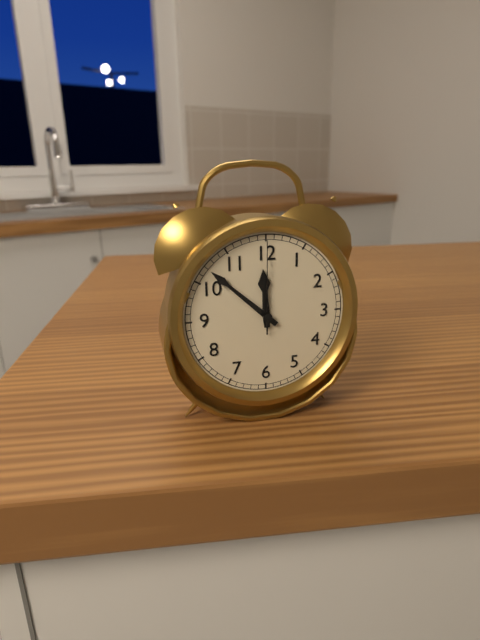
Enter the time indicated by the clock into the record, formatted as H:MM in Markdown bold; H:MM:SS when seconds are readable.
**11:52:00**
